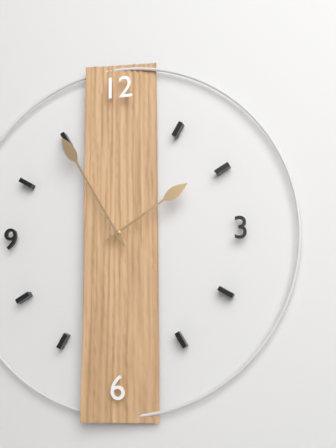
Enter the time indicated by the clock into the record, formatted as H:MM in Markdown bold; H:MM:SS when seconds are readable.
**1:55**
